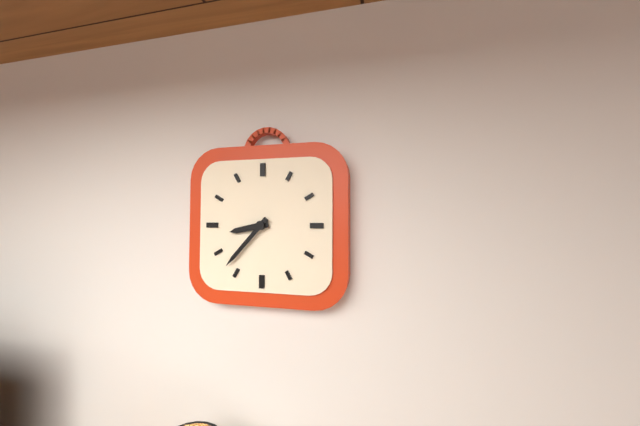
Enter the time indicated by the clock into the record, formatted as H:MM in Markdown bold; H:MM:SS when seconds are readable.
**8:37**
